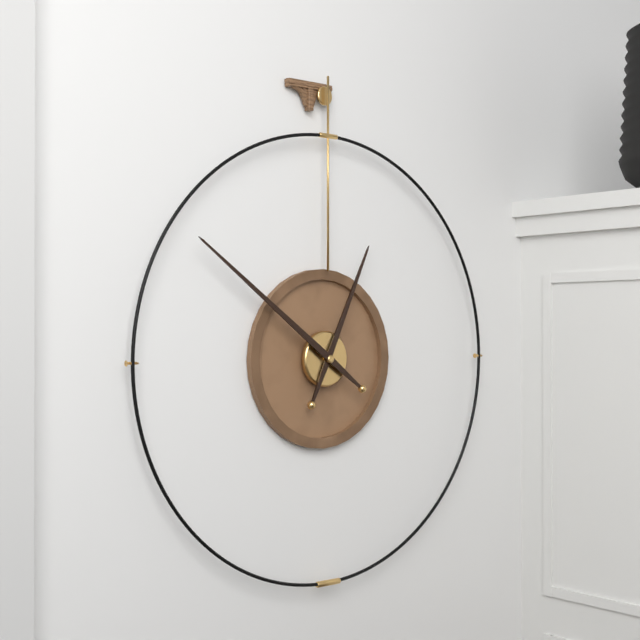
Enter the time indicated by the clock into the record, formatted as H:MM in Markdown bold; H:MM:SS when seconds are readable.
**12:51**
